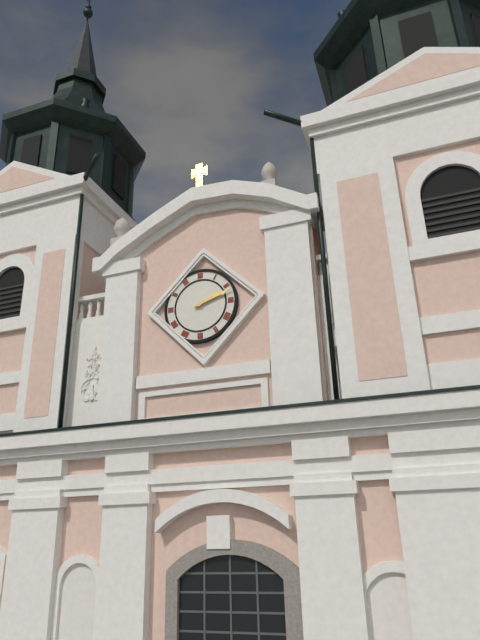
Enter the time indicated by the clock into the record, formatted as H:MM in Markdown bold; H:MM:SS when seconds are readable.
**2:12**
